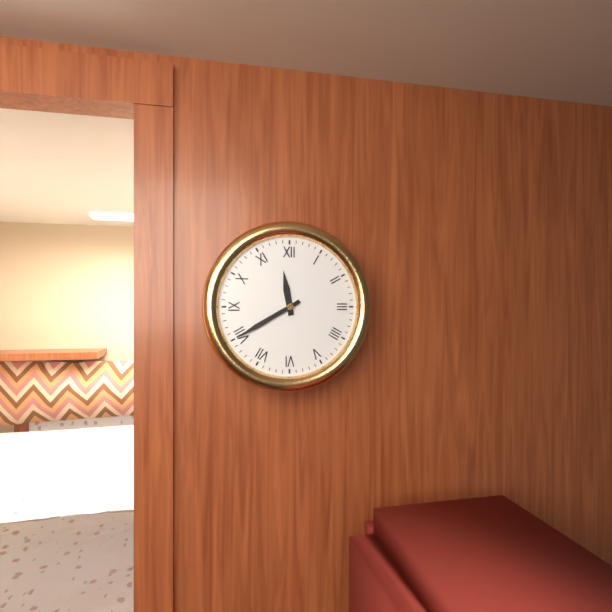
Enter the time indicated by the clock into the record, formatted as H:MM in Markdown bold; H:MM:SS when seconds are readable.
**11:40**
